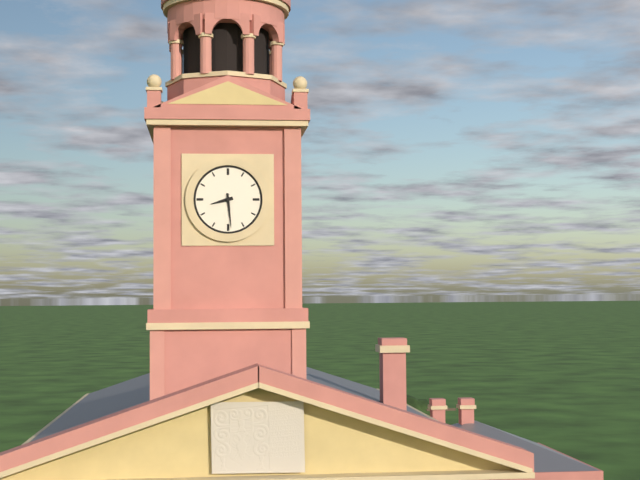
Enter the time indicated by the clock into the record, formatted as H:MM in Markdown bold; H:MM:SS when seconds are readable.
**8:29**
